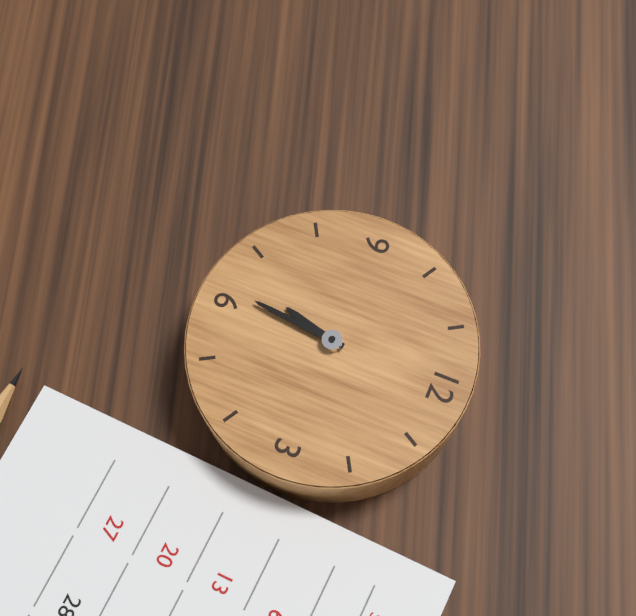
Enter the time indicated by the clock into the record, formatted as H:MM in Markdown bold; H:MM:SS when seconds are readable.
**6:31**
